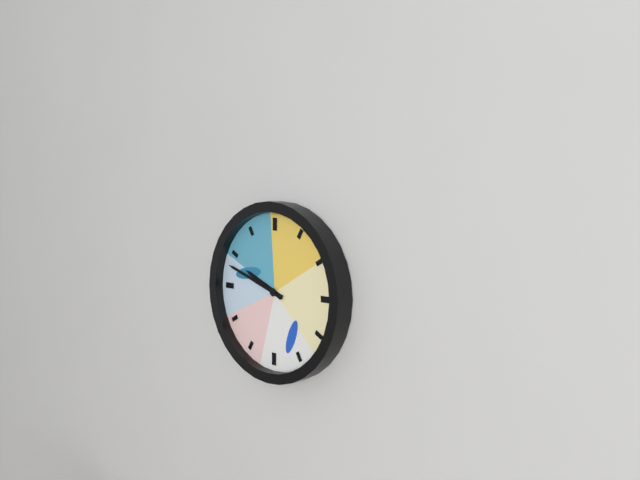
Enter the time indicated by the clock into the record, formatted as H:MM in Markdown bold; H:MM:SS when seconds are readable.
**9:48**
